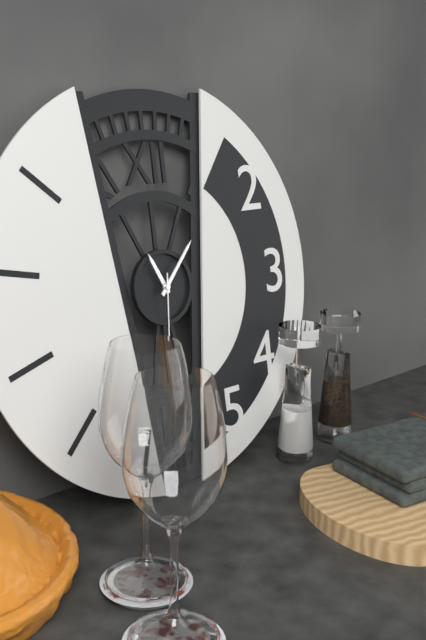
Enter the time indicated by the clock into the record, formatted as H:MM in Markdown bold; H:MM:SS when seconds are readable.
**11:07:31**
